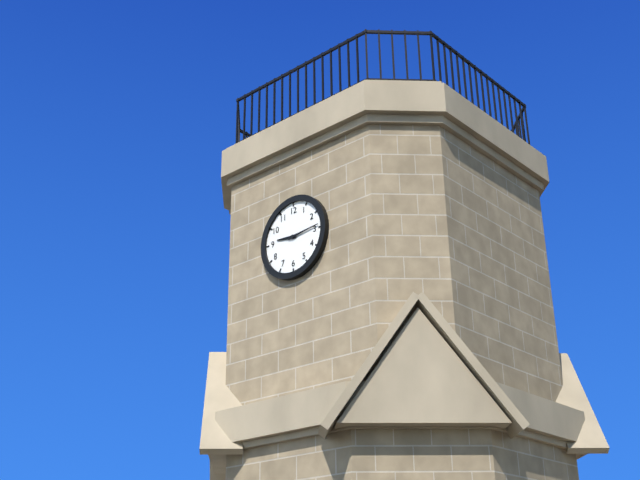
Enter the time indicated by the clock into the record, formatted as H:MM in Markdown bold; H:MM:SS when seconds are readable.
**9:14**
